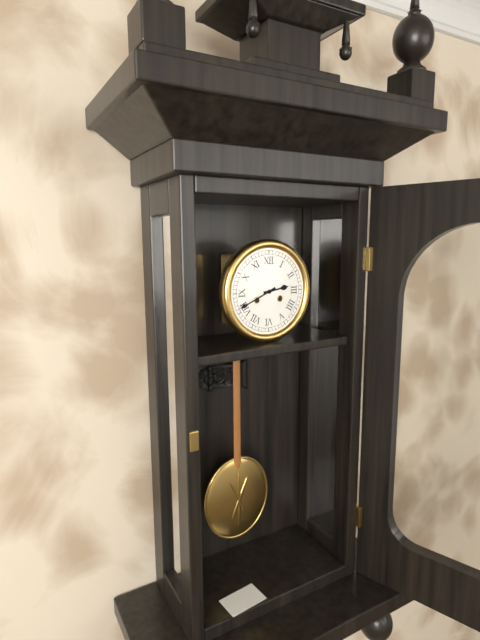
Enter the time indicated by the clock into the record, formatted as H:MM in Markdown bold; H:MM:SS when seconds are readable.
**2:41**
